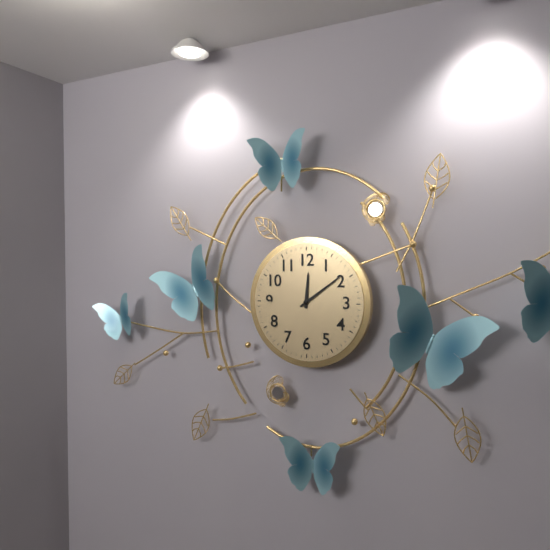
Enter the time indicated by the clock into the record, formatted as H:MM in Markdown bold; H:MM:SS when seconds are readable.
**12:09**
